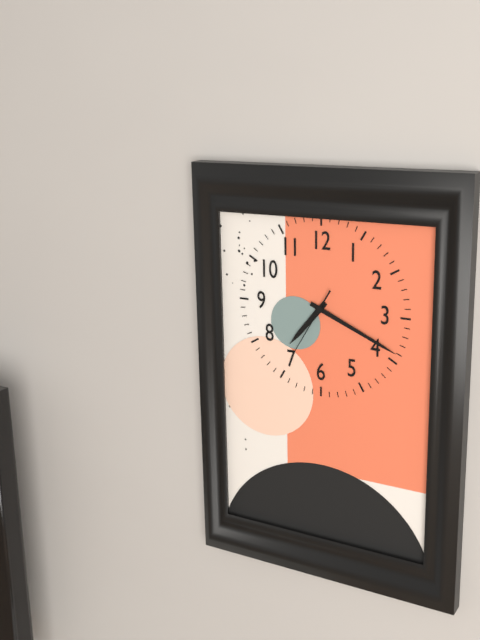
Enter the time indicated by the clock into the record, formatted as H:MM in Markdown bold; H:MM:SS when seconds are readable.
**7:19:35**
